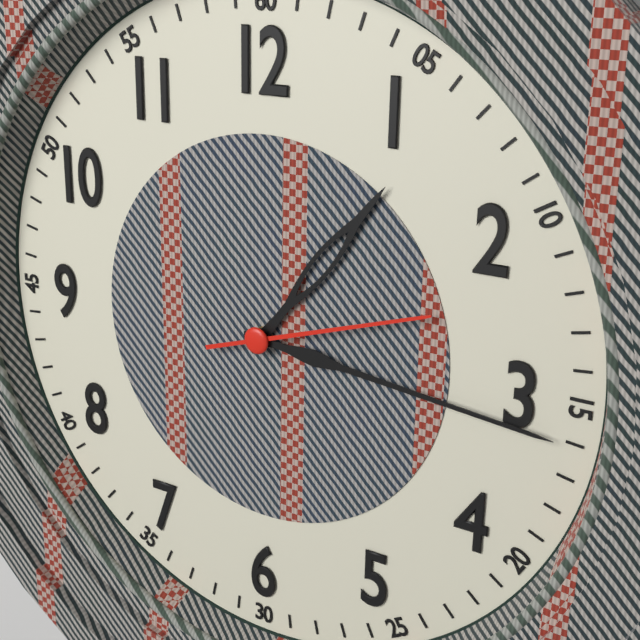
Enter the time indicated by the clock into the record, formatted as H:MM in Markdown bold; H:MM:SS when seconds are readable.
**1:16:12**
